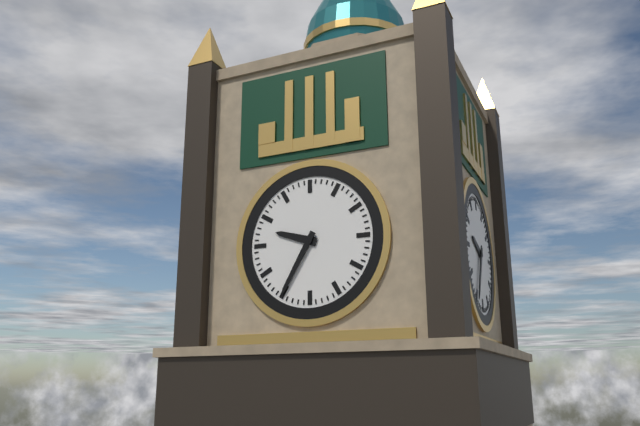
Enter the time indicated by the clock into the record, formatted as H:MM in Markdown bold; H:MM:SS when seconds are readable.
**9:35**
